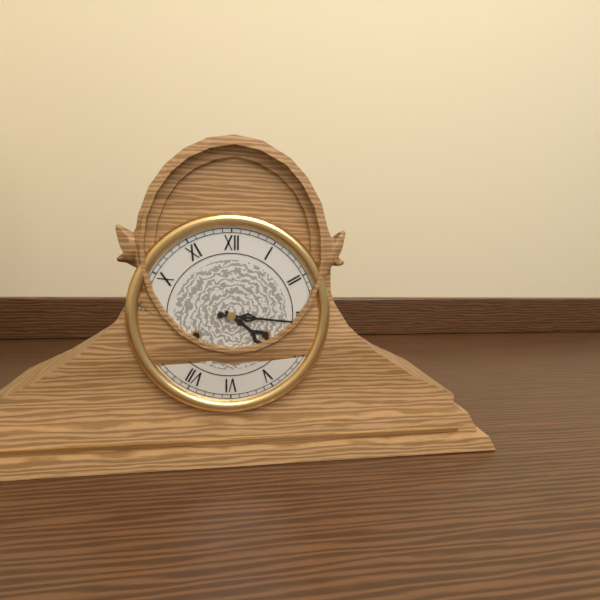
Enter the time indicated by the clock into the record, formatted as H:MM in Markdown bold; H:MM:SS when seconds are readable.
**4:16**
